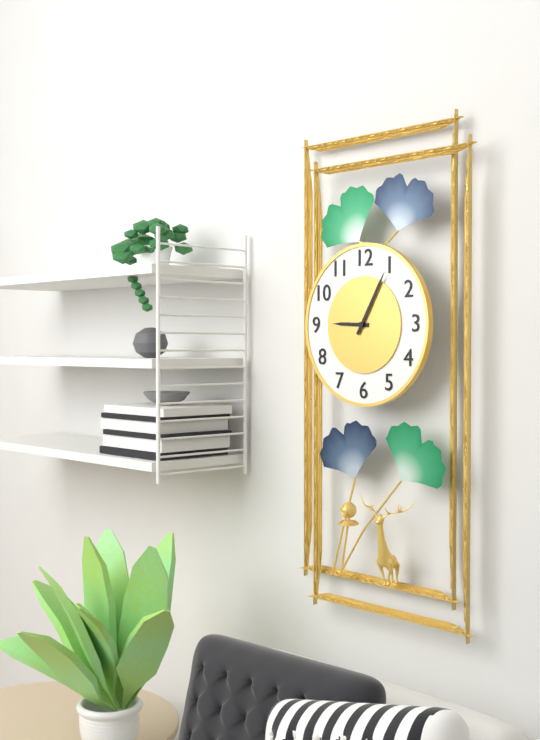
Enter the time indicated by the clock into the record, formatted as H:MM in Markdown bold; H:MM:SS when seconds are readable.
**9:05**
